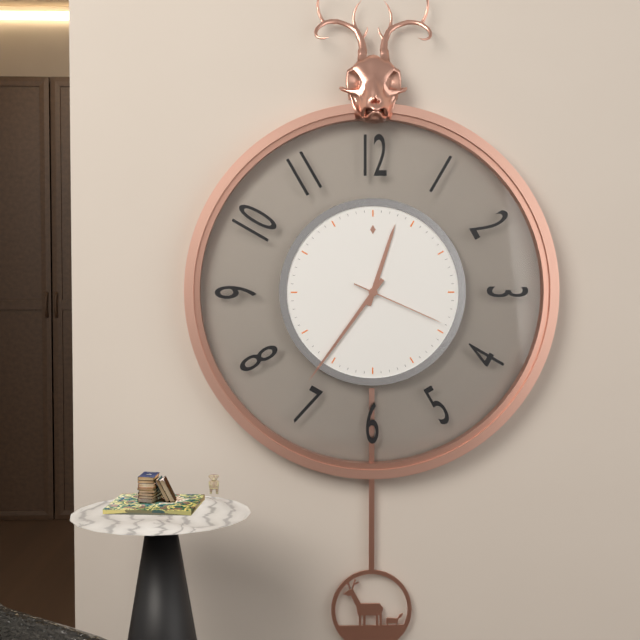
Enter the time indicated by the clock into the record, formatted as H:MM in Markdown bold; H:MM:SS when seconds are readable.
**12:36:19**
